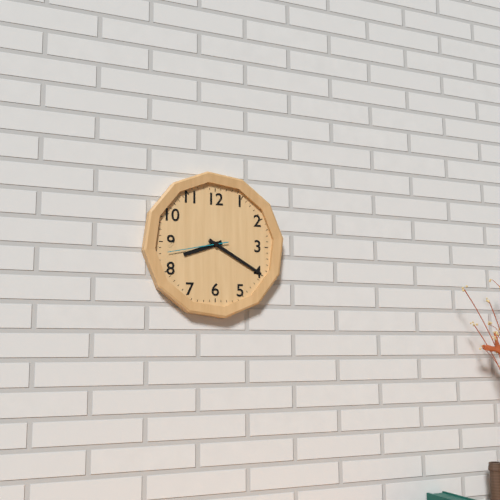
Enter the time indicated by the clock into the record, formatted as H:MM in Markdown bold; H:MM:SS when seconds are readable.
**8:20:43**
